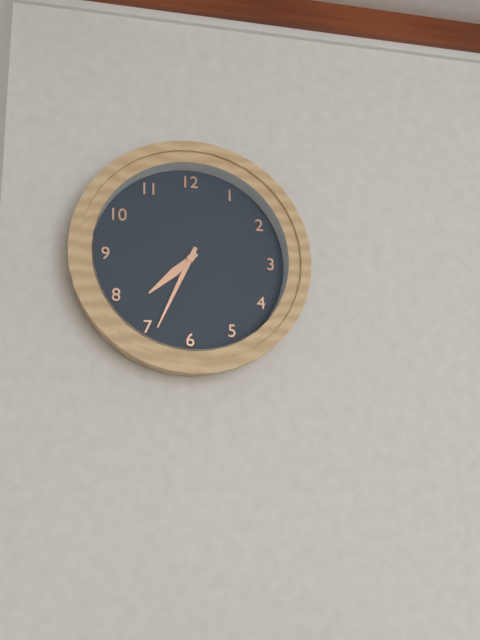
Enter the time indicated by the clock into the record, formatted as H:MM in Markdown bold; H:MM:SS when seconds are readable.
**7:34**
